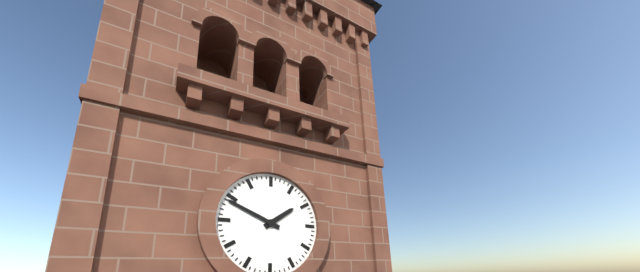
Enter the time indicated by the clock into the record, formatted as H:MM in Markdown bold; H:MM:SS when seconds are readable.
**1:49**
